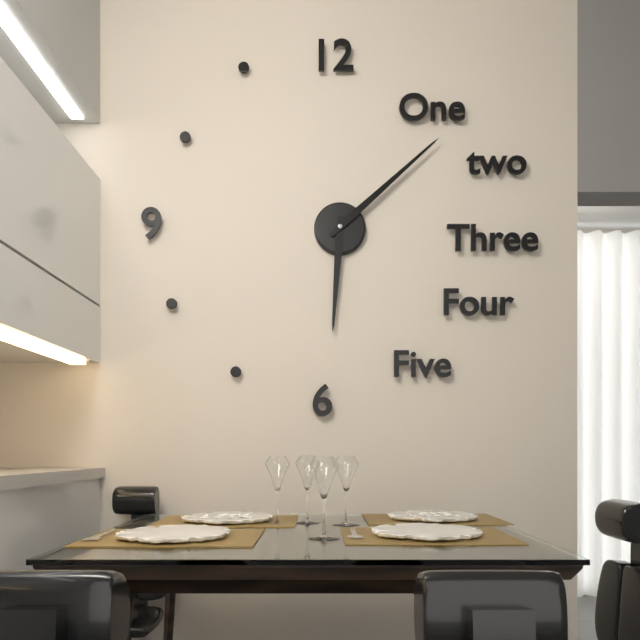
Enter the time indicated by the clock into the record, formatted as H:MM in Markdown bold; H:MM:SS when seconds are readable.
**6:08**
